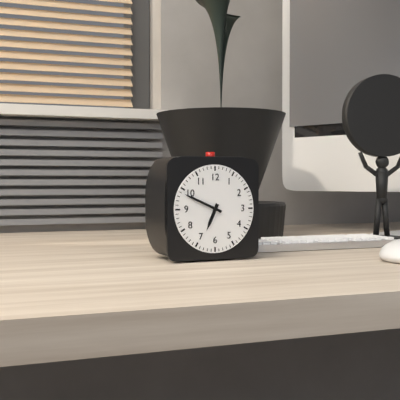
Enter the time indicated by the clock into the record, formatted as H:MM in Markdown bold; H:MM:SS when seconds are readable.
**6:49**
